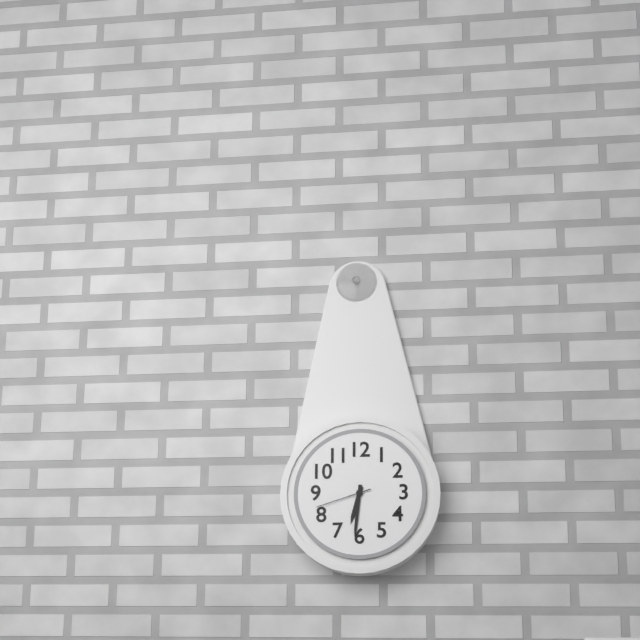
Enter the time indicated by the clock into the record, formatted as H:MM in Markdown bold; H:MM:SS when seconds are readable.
**6:31:42**
